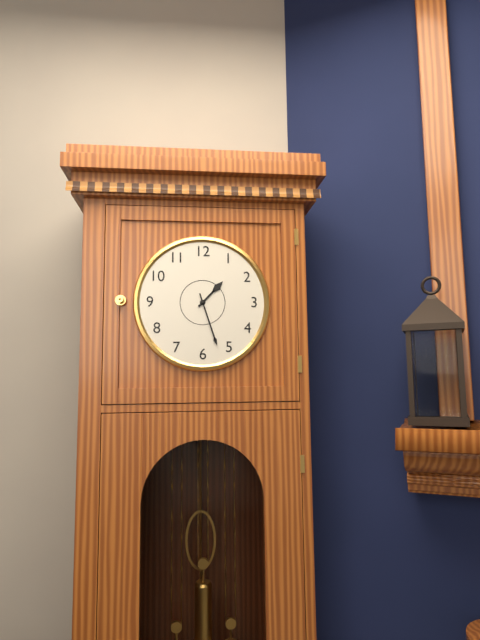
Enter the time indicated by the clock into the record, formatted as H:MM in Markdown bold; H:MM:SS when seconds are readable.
**1:27**
